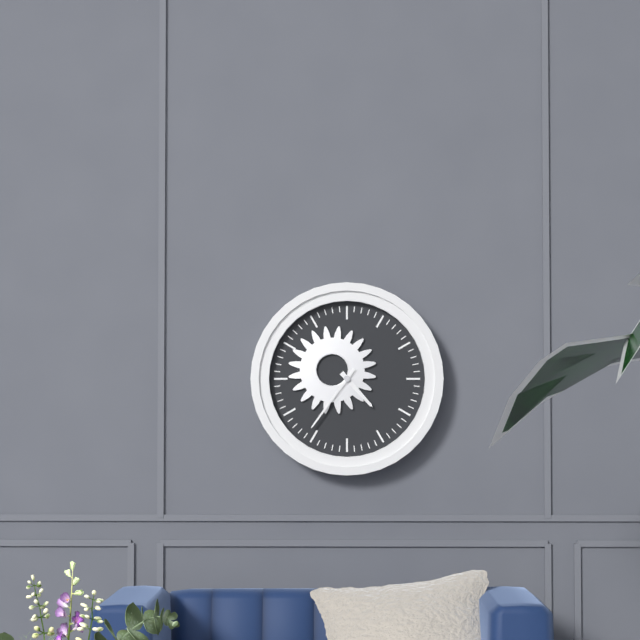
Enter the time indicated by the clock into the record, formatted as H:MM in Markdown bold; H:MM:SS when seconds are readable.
**4:36**
